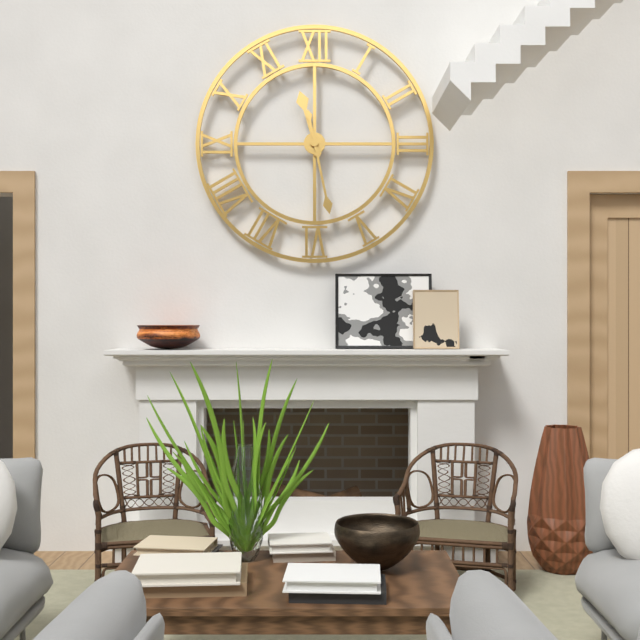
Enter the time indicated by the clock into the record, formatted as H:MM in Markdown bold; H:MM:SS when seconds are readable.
**11:28**
